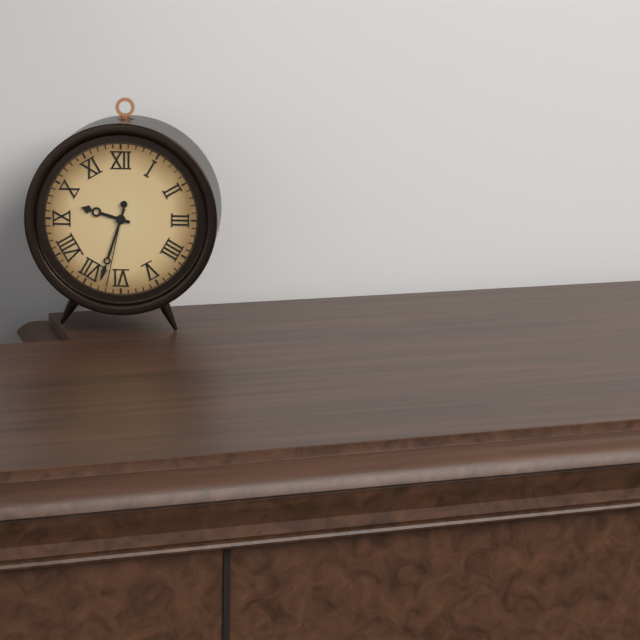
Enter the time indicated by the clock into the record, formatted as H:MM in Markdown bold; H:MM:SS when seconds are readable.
**9:33:32**
